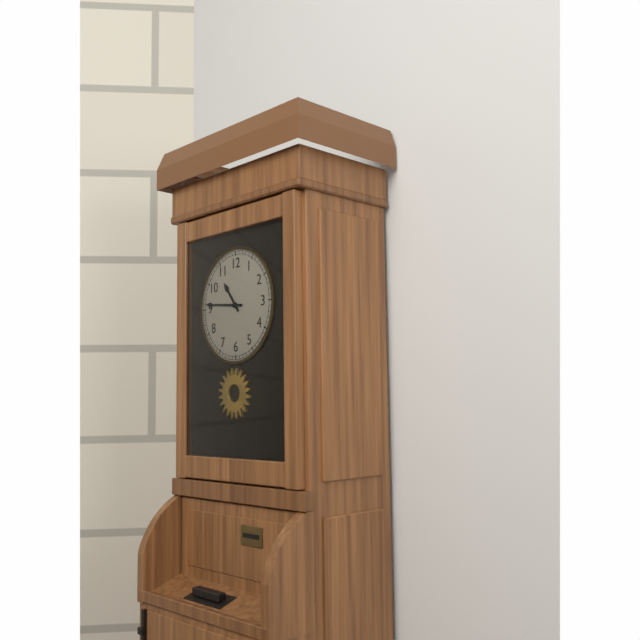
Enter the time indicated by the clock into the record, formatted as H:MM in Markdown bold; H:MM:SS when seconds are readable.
**10:46**
